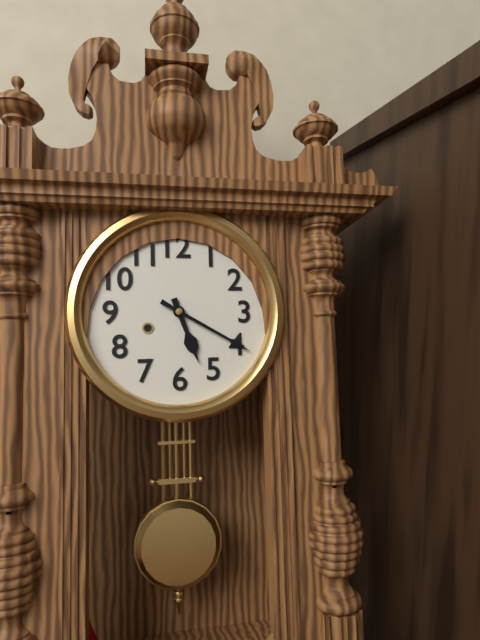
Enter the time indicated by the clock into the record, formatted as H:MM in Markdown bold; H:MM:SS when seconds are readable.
**5:20**
